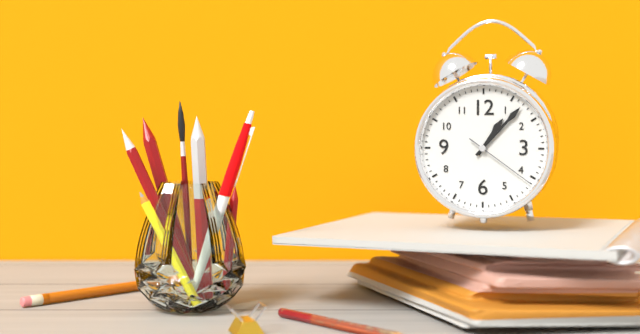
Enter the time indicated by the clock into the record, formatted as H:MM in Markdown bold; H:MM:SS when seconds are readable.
**1:07:21**
